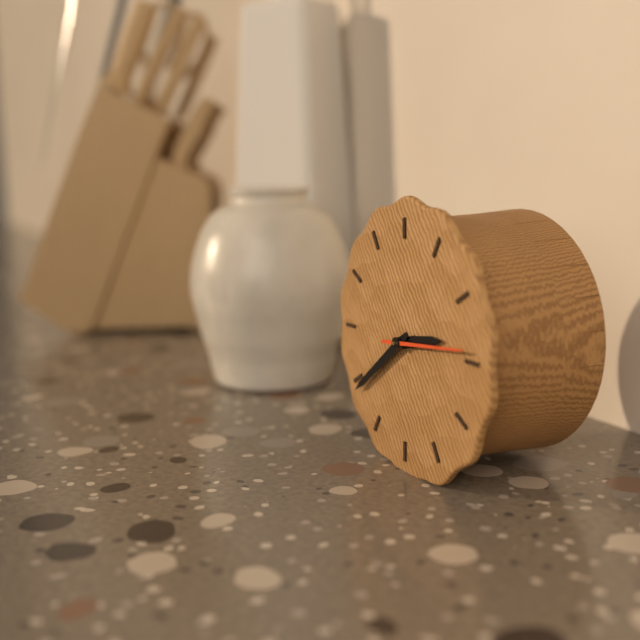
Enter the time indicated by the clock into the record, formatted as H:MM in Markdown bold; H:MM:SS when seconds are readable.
**2:39:14**
